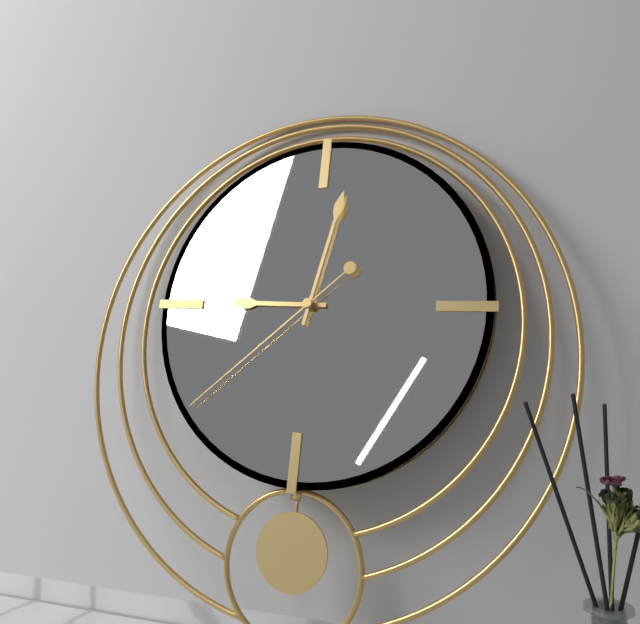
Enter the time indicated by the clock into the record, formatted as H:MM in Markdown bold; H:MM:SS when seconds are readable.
**9:02:38**
